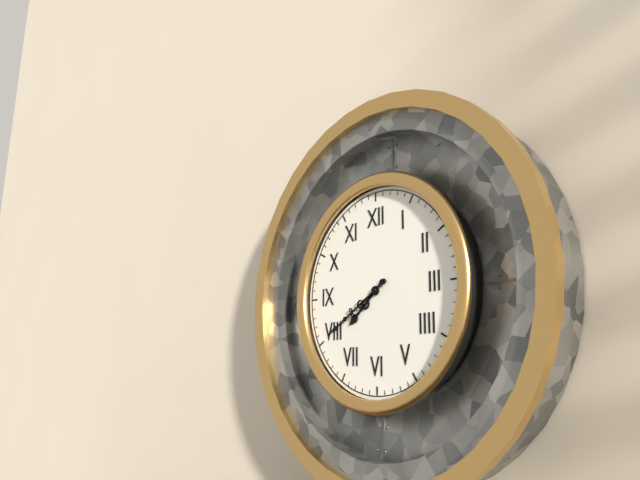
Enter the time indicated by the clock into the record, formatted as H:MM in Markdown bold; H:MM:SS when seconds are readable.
**7:40**
